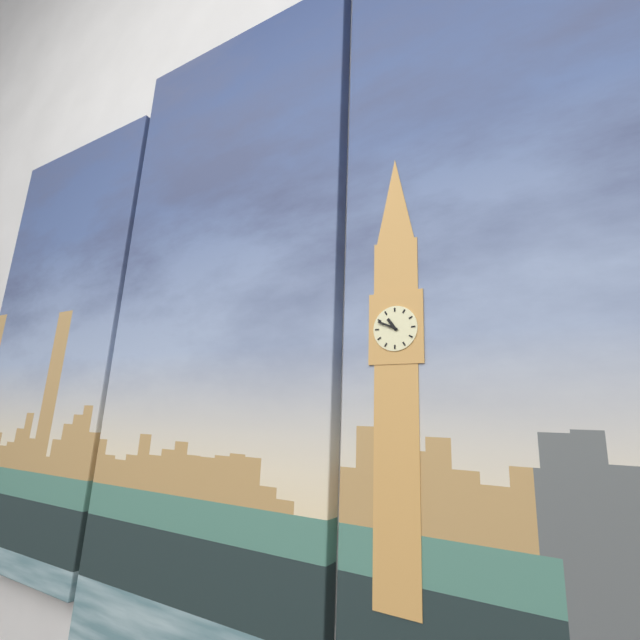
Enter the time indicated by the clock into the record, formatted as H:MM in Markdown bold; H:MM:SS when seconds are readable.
**10:49**
